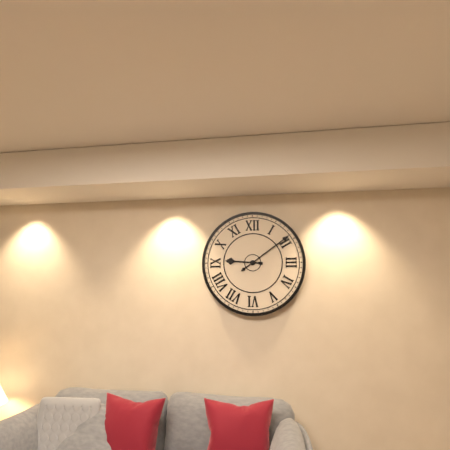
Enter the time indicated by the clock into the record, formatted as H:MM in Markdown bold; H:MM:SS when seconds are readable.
**9:09**
